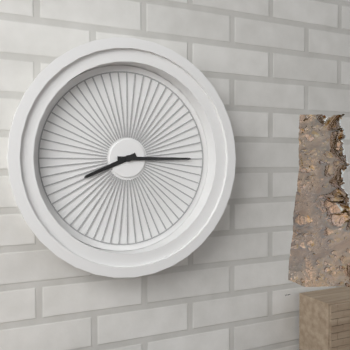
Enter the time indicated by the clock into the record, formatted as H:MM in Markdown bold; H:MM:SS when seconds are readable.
**8:15**
